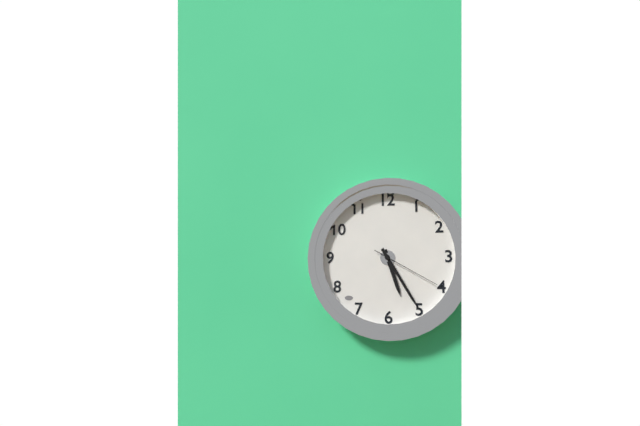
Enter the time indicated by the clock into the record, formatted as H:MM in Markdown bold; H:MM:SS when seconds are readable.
**5:25:20**
